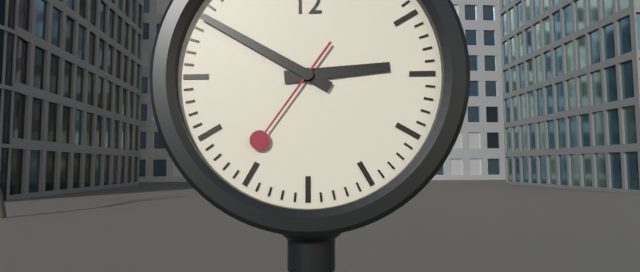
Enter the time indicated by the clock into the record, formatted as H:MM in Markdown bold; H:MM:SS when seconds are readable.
**2:50:36**
